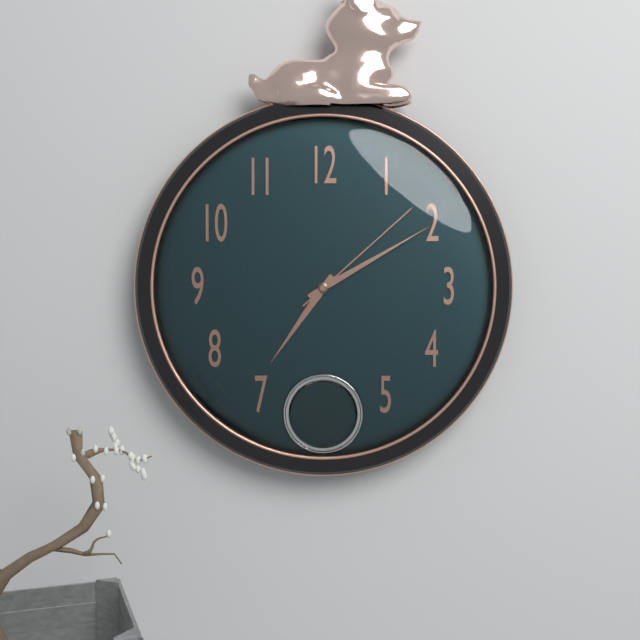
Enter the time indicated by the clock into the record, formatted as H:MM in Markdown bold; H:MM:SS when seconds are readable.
**7:10:08**
